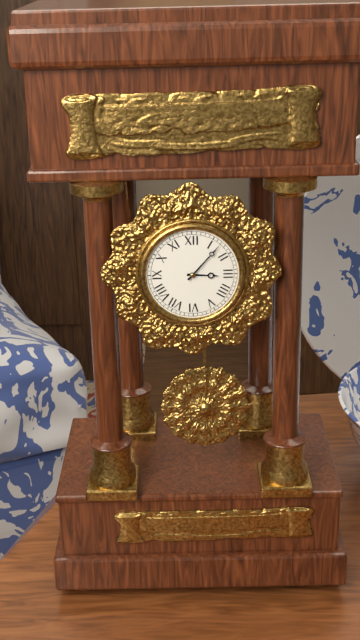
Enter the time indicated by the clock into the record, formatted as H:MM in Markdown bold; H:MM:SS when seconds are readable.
**3:07**
